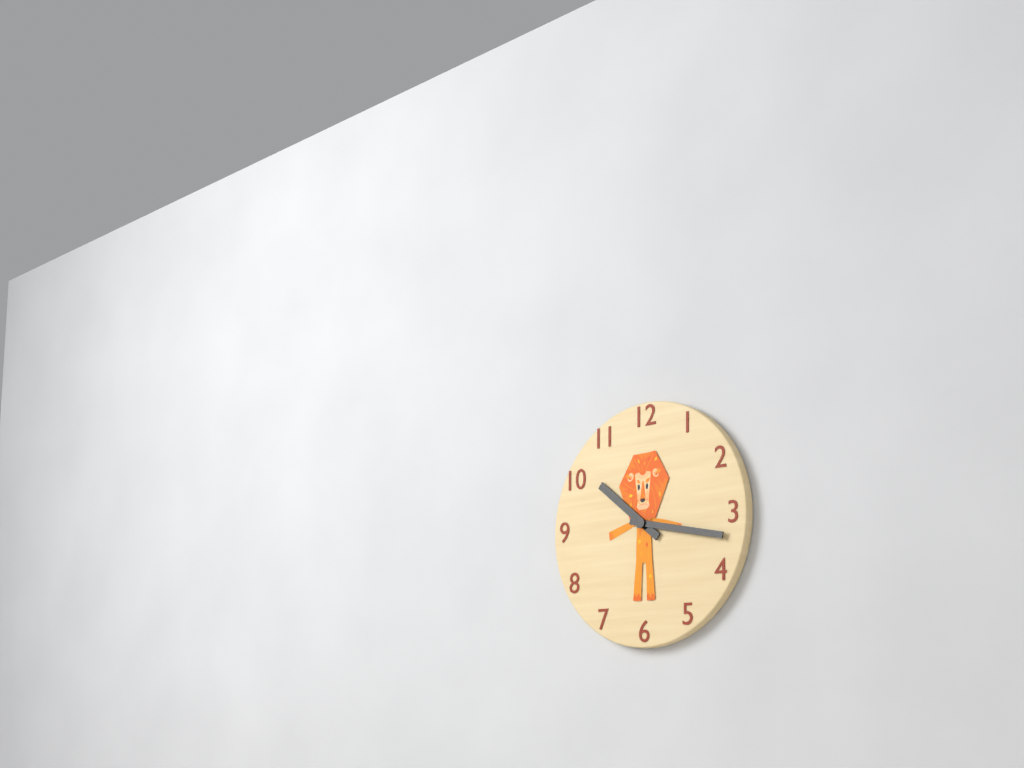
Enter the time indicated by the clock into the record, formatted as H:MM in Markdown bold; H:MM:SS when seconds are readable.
**10:17**
